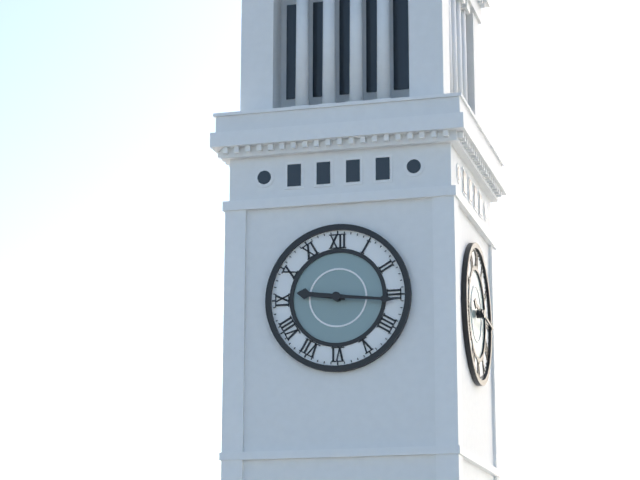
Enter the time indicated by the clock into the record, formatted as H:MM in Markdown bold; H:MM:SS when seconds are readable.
**9:16**
